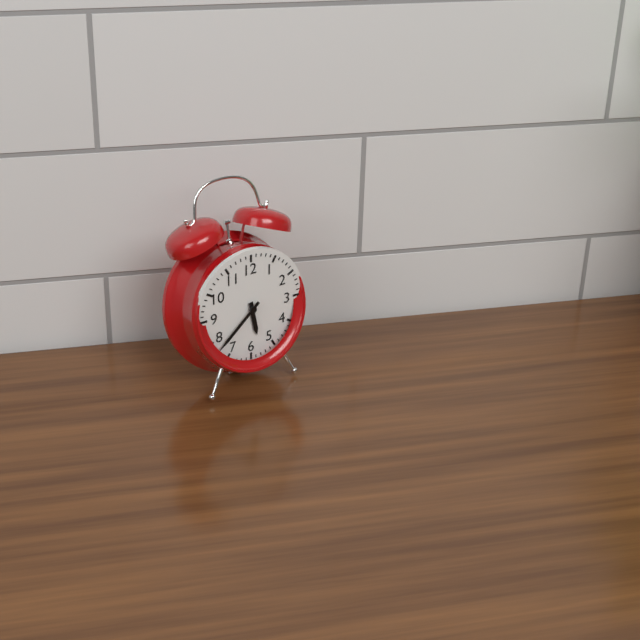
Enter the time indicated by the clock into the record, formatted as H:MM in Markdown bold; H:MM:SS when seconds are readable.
**5:38**
